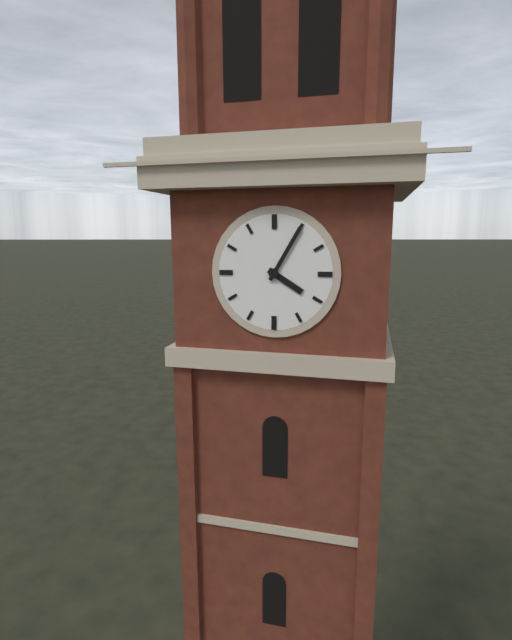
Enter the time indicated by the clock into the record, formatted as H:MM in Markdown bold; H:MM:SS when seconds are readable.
**4:05**
